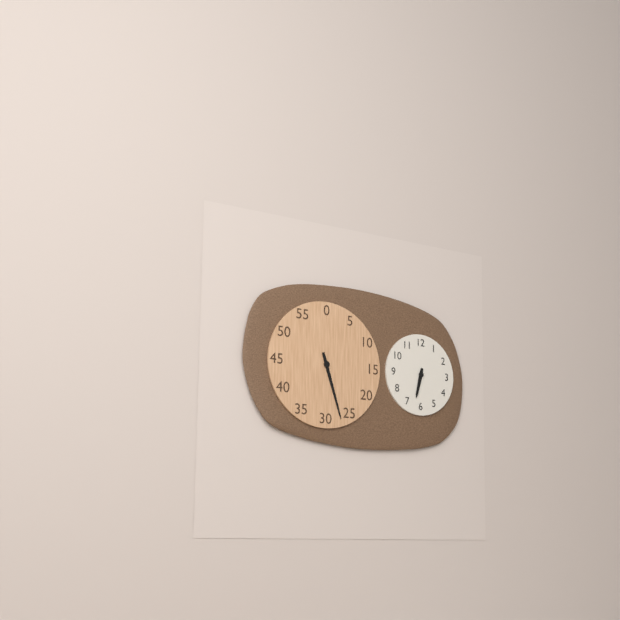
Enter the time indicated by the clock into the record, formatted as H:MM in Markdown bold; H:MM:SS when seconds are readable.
**6:27**
